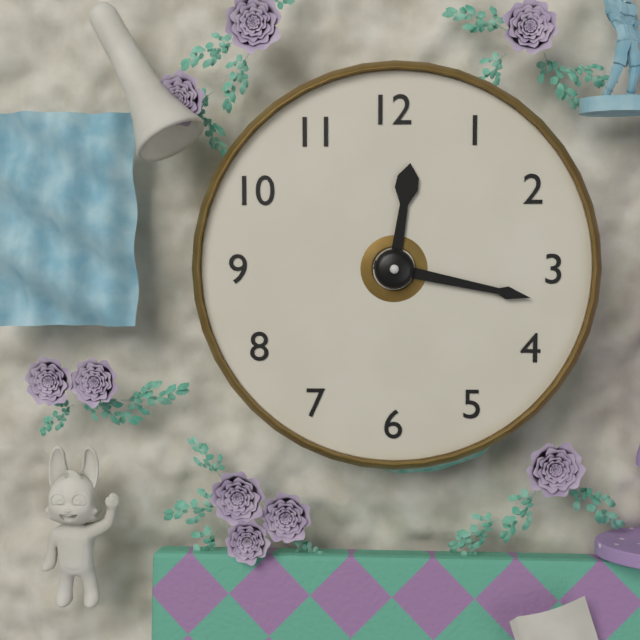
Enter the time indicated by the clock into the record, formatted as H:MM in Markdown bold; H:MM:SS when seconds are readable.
**12:17**
